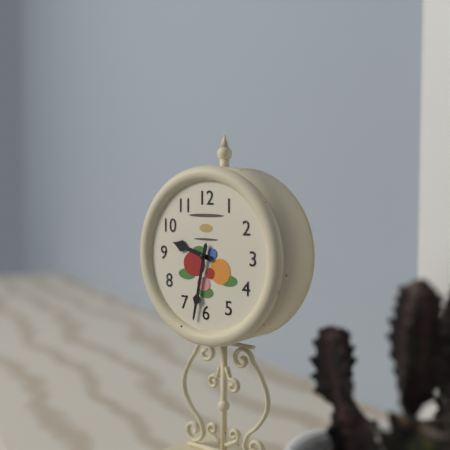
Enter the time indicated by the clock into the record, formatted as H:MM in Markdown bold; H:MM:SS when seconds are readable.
**9:32**
